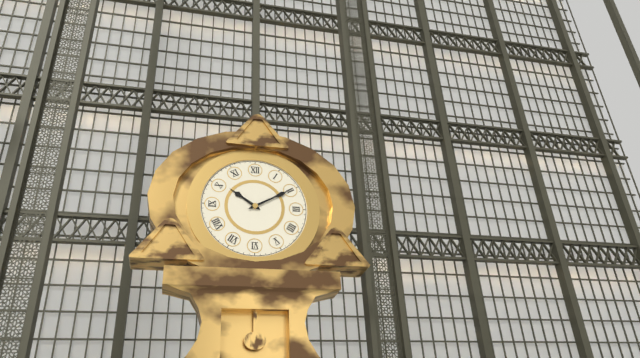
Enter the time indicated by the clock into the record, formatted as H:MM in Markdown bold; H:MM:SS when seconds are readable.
**10:10**
